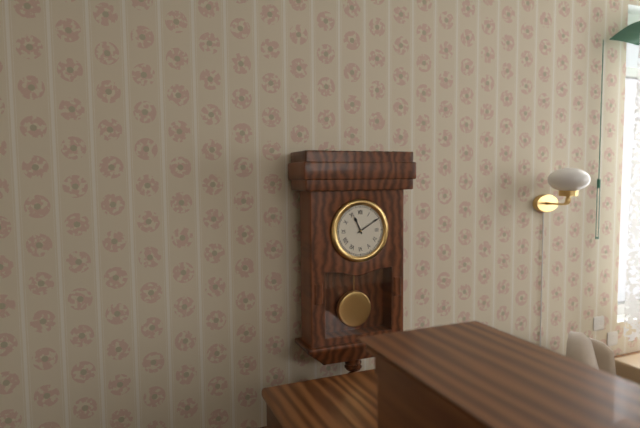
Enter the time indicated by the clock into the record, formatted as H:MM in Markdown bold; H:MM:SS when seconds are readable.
**11:10**
